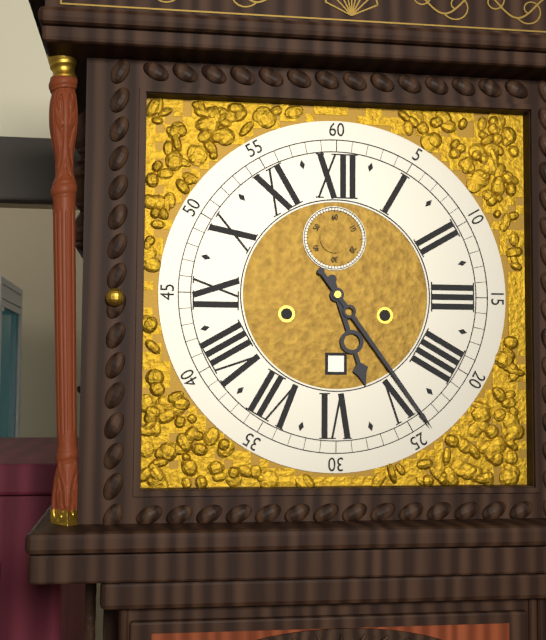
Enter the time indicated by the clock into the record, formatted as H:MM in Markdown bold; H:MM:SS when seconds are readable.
**5:24**
